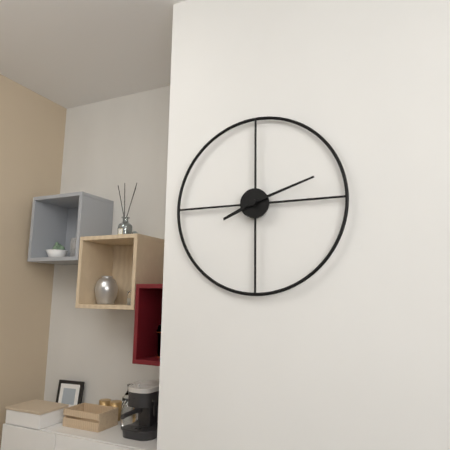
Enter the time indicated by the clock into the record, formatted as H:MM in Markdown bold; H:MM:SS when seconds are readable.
**8:12**
